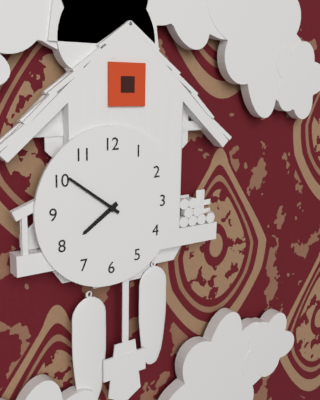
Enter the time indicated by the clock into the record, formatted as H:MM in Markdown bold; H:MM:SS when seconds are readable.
**7:51**
